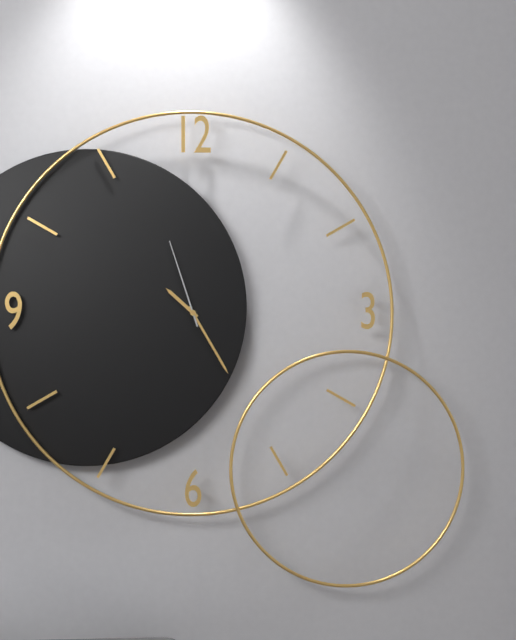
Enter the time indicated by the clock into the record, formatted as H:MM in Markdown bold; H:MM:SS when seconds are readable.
**10:25:57**
